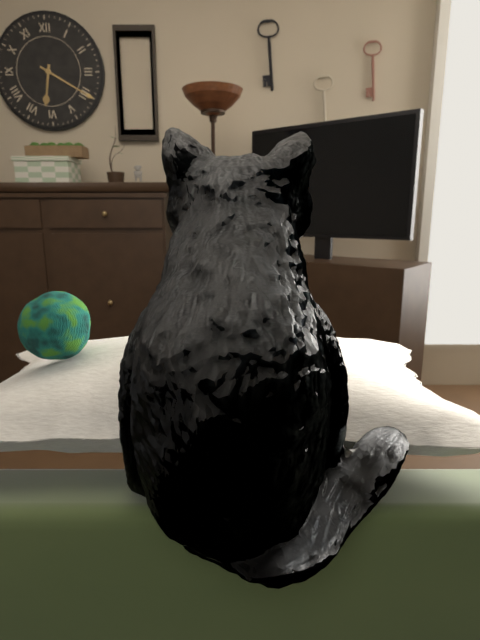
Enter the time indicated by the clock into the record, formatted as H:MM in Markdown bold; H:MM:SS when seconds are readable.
**6:20**
